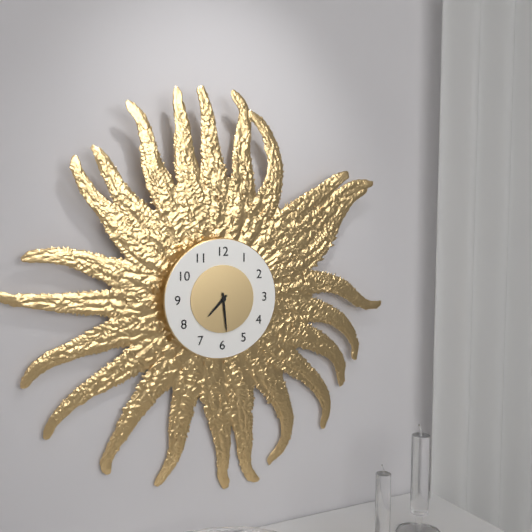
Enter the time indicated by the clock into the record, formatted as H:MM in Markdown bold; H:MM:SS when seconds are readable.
**7:29**
